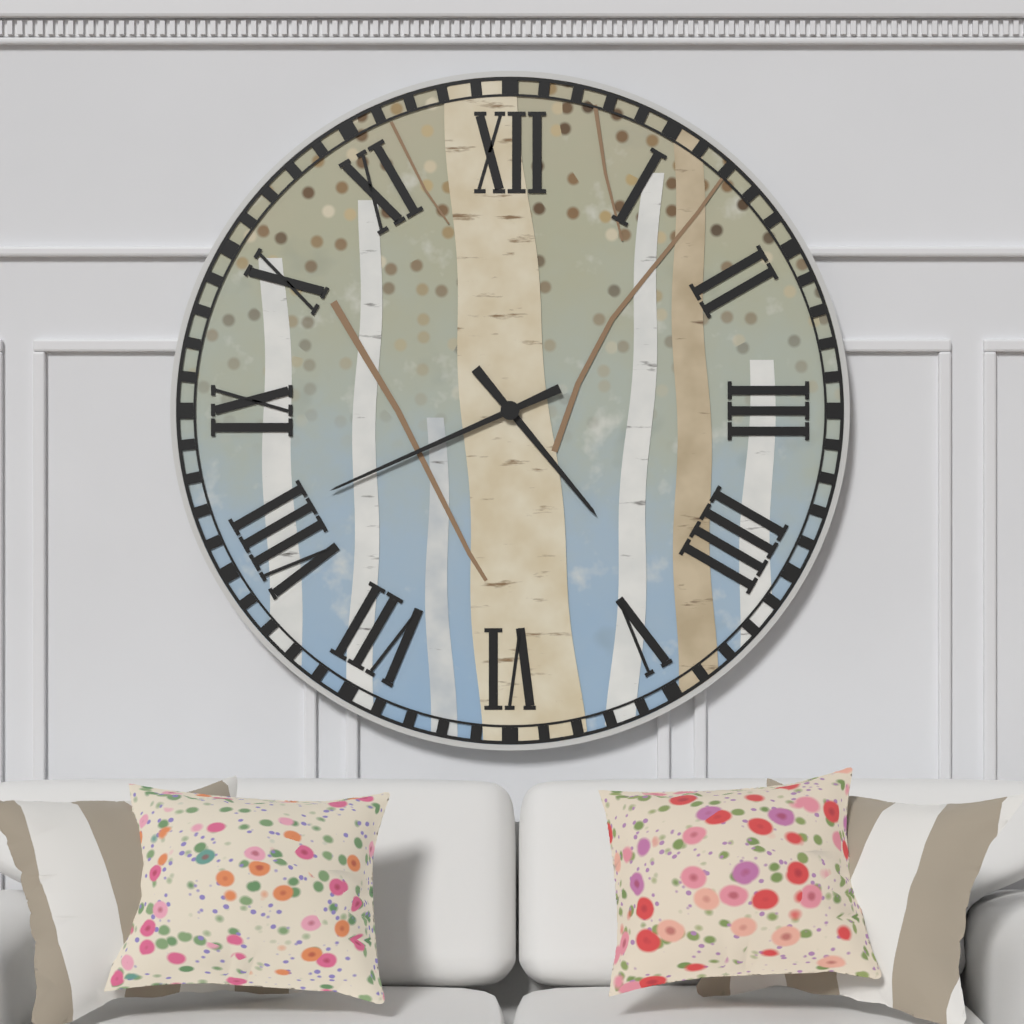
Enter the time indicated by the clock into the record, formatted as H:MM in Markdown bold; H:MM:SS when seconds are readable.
**4:41**
